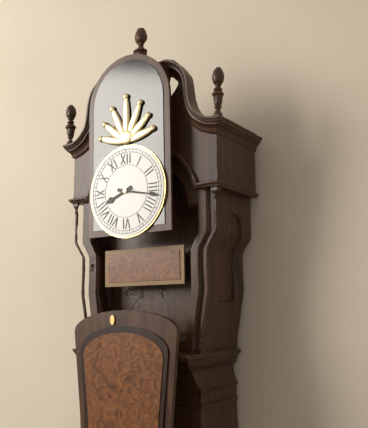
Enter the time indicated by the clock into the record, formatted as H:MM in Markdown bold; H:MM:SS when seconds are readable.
**8:17**
